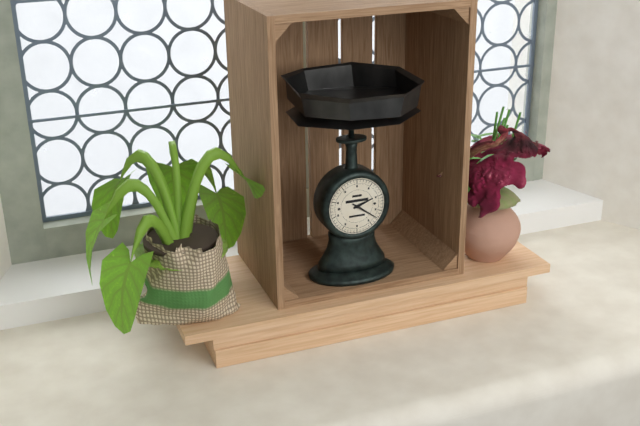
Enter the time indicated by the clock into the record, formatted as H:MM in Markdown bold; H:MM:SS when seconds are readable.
**2:21**
